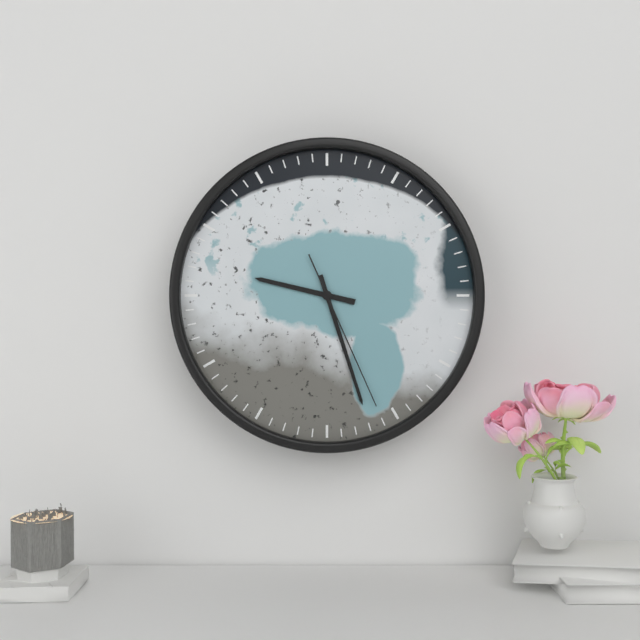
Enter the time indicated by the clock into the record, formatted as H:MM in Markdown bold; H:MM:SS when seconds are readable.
**9:27:26**
